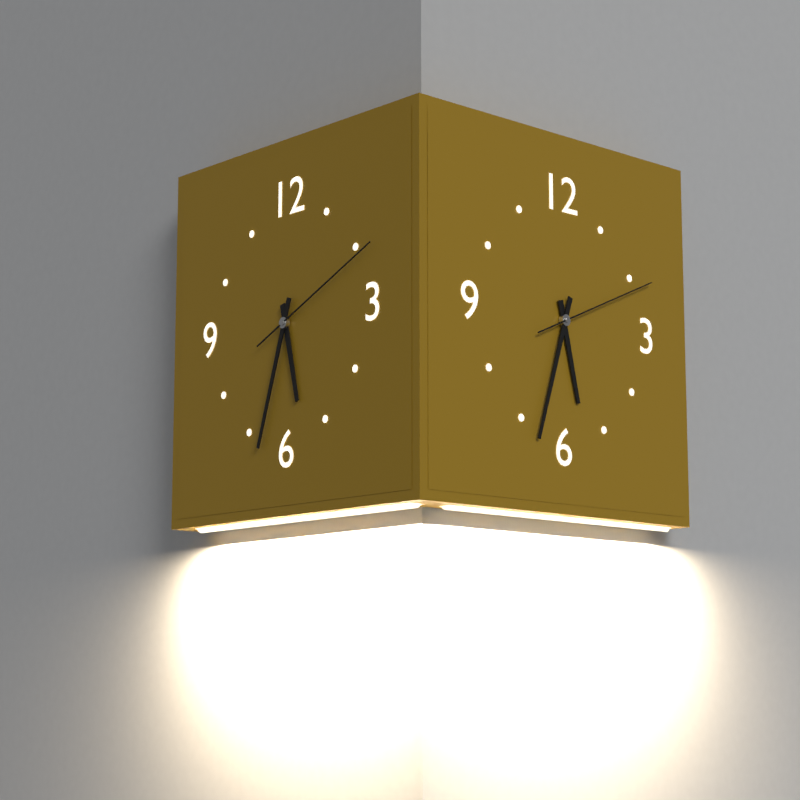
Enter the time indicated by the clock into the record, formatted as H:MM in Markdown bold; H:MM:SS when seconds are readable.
**5:33:11**
